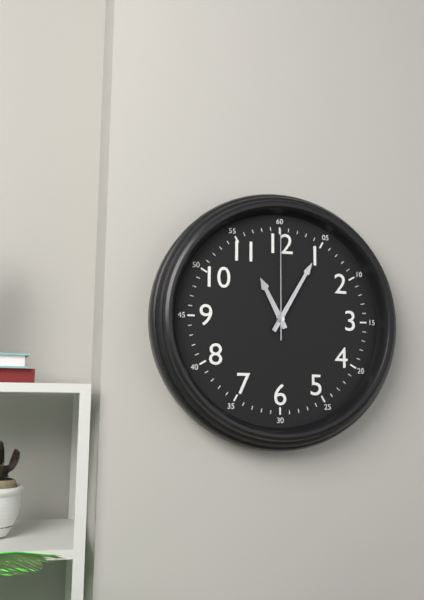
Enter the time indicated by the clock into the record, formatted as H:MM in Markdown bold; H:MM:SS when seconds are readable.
**11:05:00**
